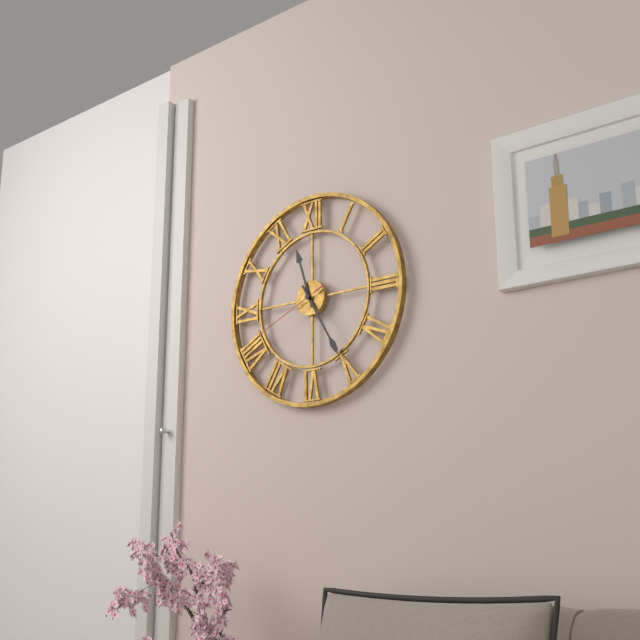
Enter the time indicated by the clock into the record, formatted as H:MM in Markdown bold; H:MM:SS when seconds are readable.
**11:25:41**
